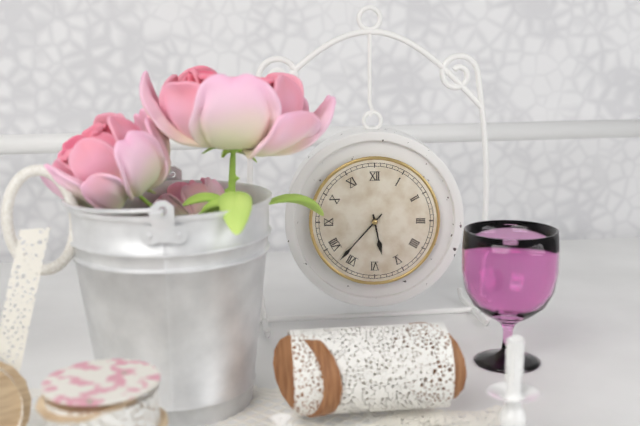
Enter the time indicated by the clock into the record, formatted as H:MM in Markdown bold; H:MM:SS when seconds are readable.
**5:37**
